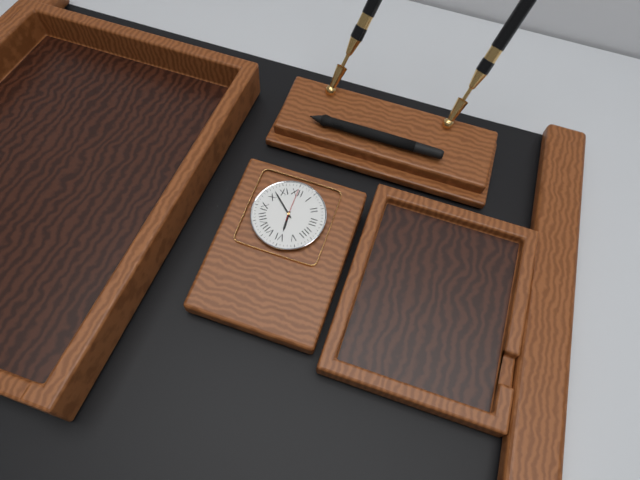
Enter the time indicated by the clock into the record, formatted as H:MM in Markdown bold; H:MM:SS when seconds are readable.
**5:52**
